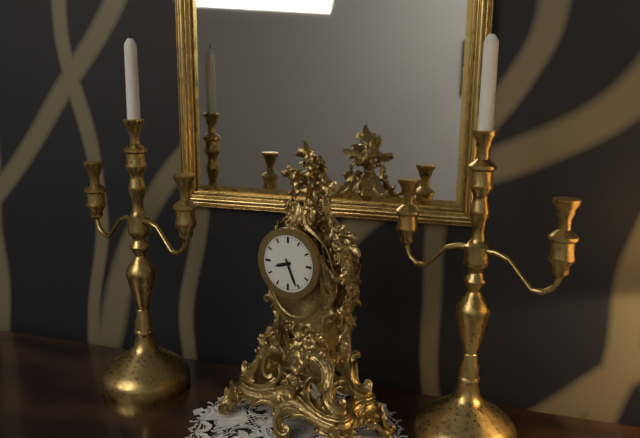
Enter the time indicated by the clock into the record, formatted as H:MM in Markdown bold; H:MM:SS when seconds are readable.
**8:26**
